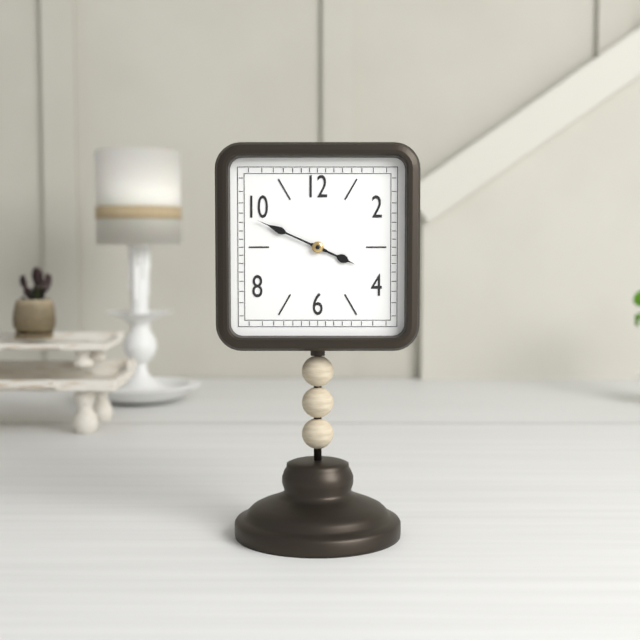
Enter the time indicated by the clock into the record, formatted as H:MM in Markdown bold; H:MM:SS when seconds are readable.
**3:49**
